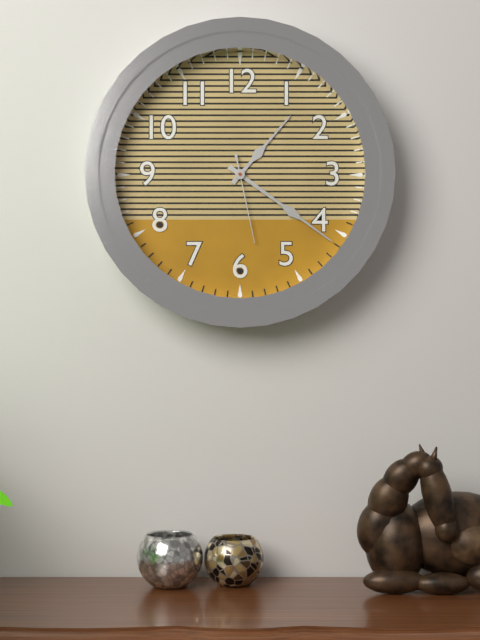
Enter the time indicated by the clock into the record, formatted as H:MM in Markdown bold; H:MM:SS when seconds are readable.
**1:21:28**
